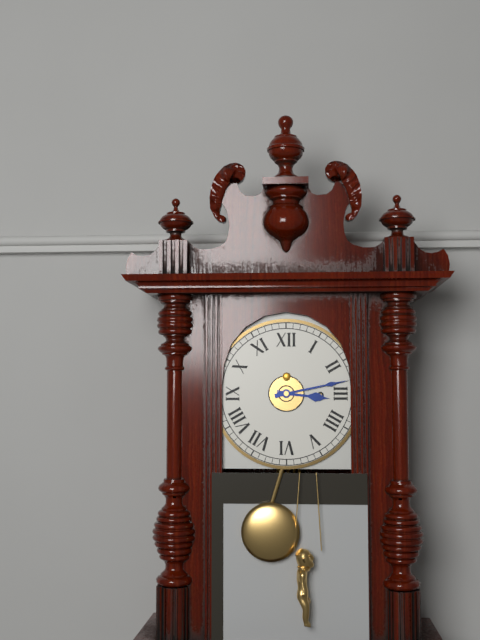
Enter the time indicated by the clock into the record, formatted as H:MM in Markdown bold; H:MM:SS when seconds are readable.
**3:13**
